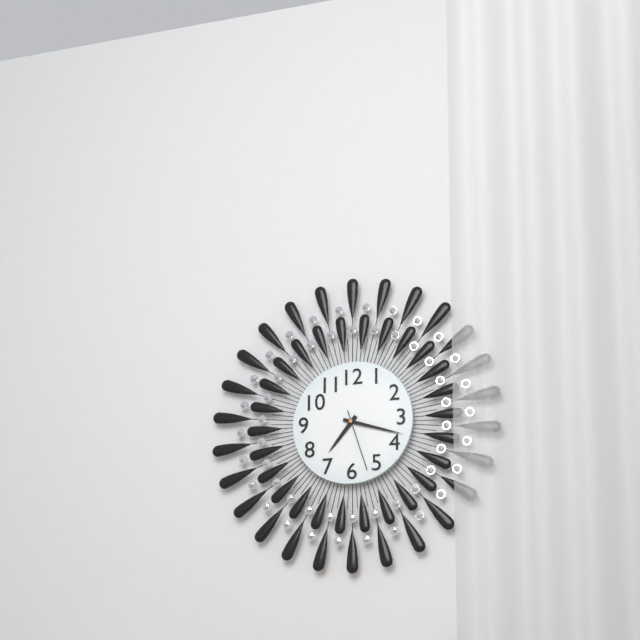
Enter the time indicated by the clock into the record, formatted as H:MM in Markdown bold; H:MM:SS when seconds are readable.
**7:18:27**
